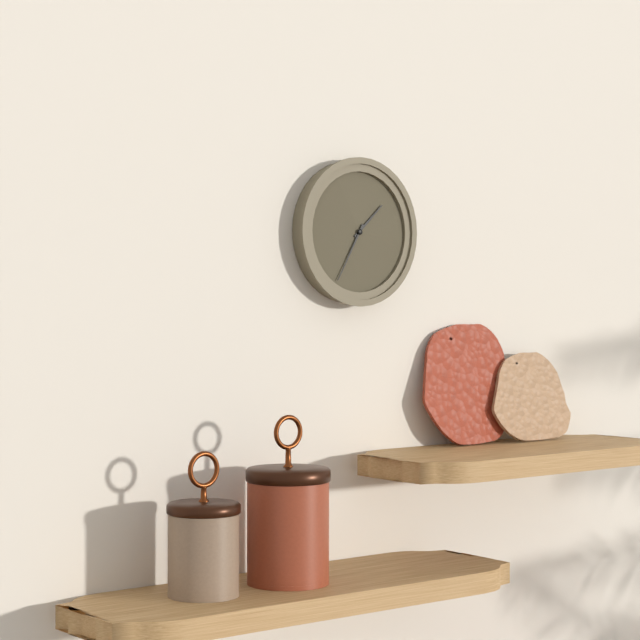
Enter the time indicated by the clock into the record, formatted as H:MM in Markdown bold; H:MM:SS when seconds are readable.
**1:35**
